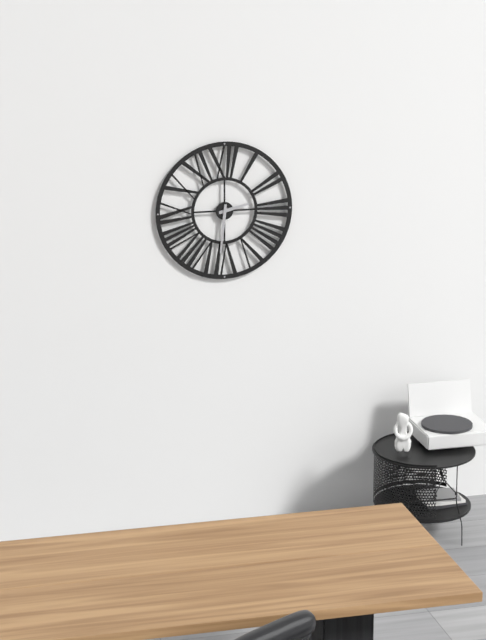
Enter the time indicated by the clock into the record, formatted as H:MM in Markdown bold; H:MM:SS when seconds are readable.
**2:31**
